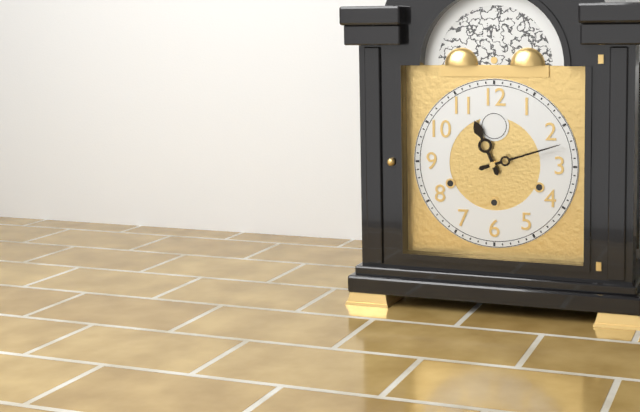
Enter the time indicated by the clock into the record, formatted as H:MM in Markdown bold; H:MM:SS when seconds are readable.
**11:12**
